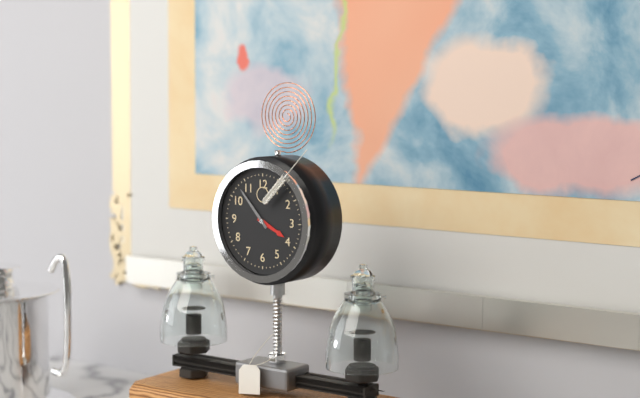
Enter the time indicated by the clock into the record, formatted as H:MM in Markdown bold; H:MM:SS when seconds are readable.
**3:53**
